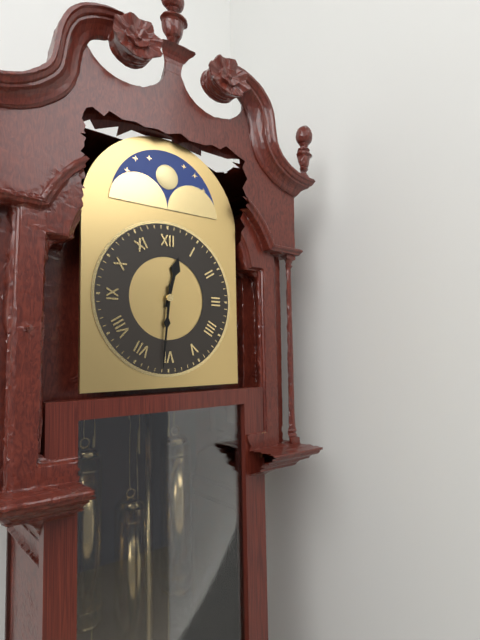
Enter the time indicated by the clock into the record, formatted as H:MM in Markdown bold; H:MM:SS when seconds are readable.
**12:31**
